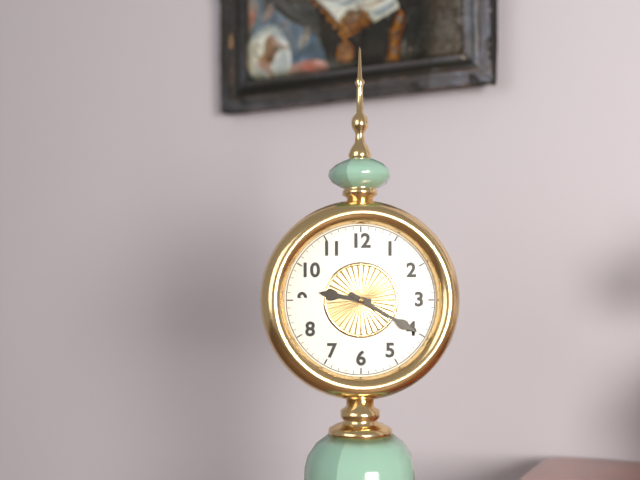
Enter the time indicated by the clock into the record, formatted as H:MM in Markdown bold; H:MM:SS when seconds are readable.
**9:20**
